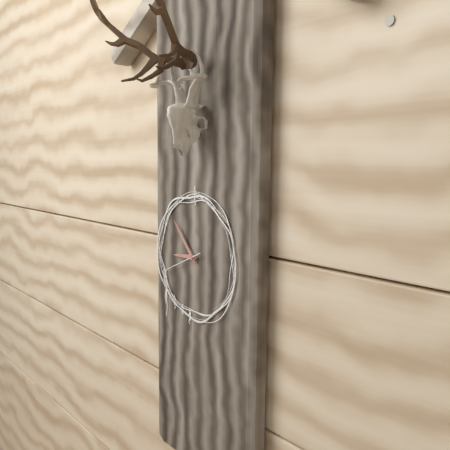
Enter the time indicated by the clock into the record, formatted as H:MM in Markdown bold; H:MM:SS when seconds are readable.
**8:53**
